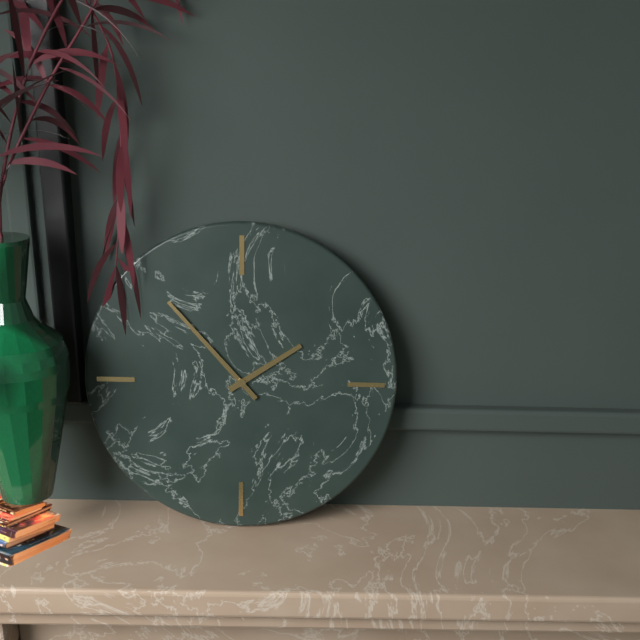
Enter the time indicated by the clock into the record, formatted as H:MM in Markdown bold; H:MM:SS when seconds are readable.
**1:53**
